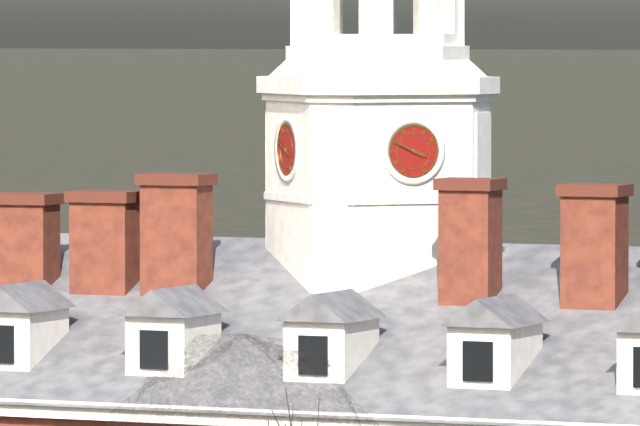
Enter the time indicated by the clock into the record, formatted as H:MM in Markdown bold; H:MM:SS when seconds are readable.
**3:49**
